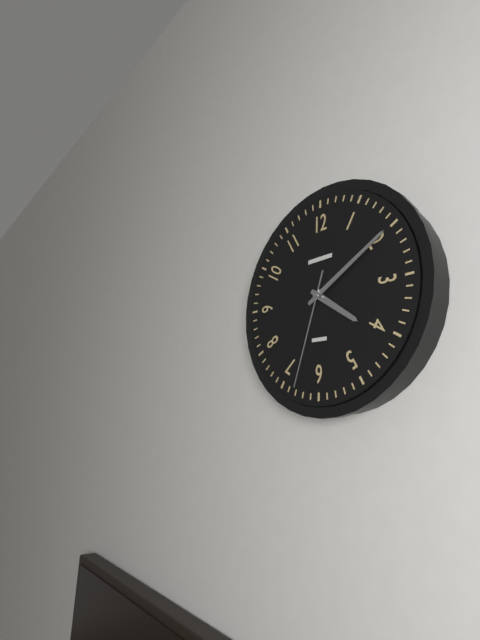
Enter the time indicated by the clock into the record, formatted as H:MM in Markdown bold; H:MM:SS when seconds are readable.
**4:10:33**
